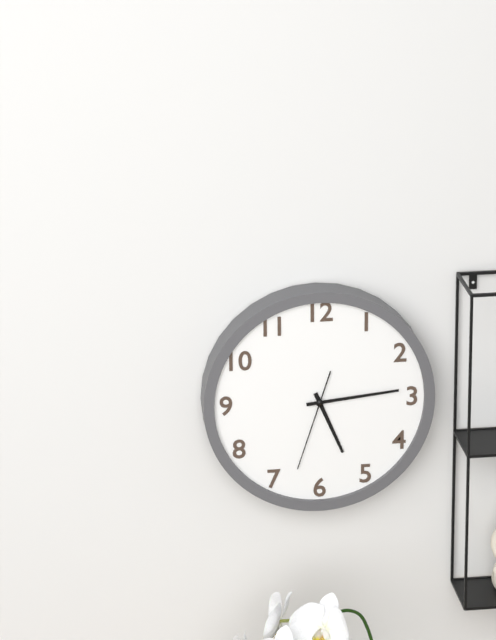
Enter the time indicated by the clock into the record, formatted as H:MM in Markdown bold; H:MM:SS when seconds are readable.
**5:14:33**
